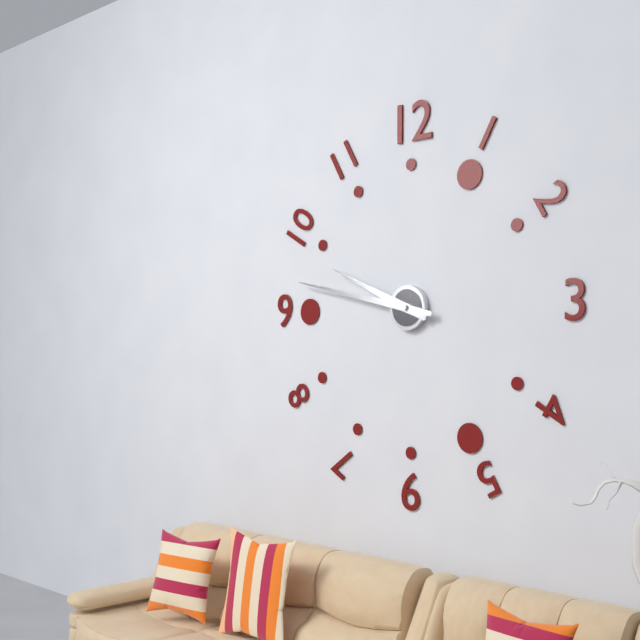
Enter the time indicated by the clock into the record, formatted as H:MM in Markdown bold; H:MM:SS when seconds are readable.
**9:47**
